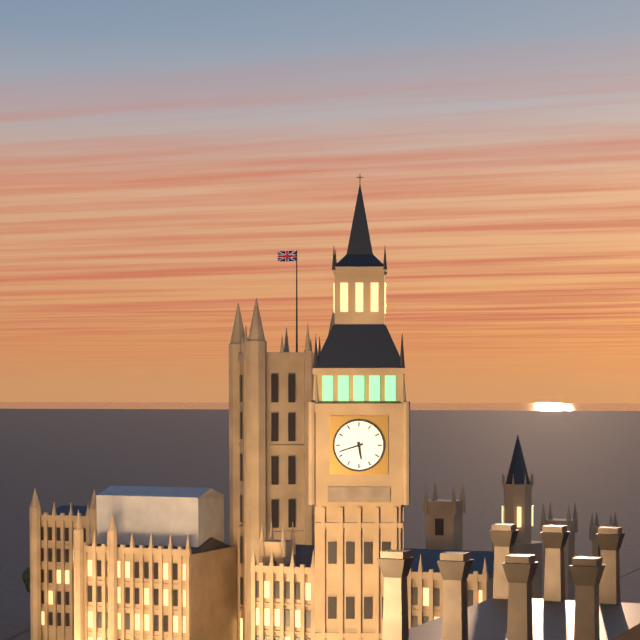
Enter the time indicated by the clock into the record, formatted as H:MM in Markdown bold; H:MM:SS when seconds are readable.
**5:42**
